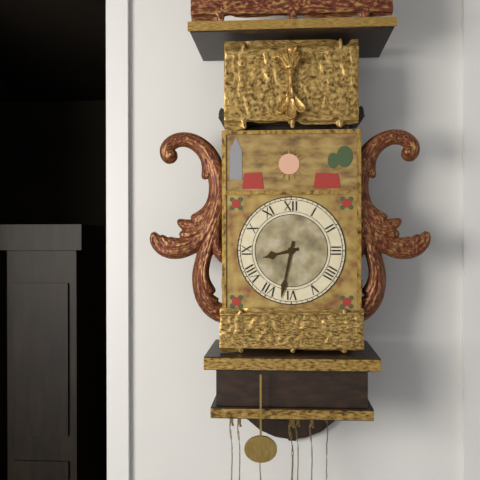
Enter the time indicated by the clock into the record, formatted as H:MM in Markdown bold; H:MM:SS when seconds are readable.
**8:32**
